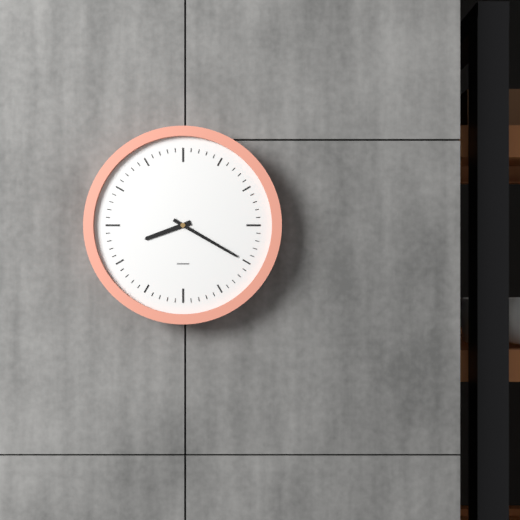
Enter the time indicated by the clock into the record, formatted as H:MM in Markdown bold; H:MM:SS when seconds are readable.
**8:20**
